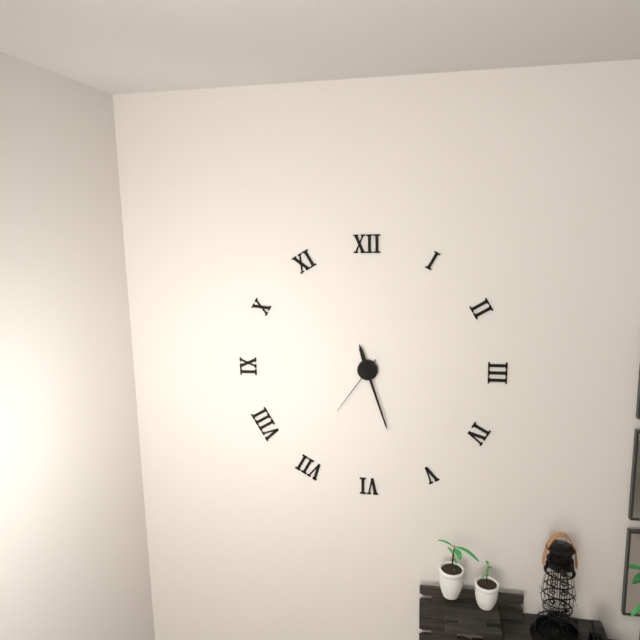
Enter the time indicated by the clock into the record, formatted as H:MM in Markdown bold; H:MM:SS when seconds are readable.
**11:27:36**
